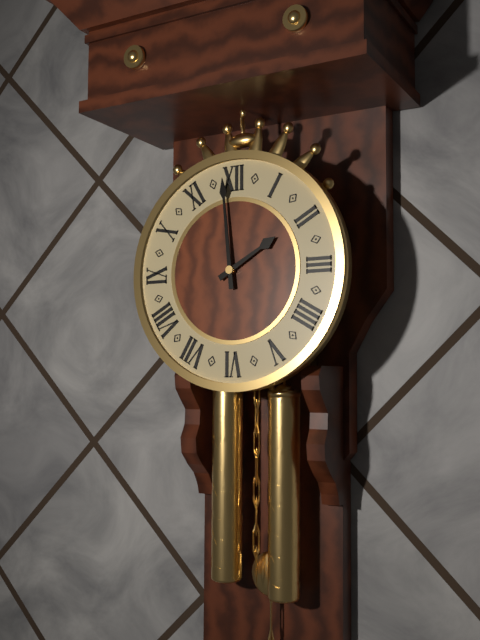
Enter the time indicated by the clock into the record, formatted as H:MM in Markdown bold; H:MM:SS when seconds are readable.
**1:59**
